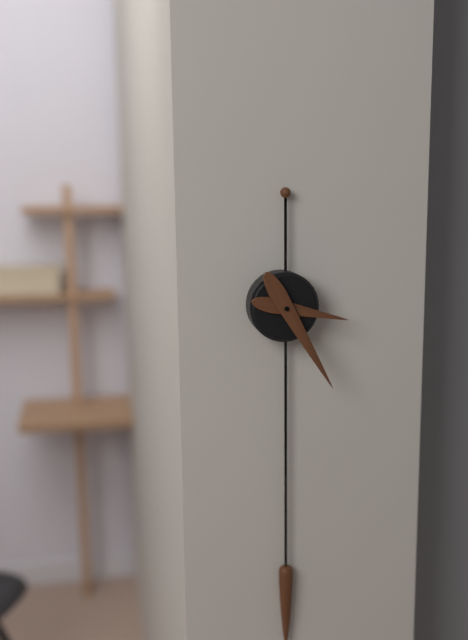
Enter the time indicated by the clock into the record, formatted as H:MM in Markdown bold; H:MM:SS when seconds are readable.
**3:25**
